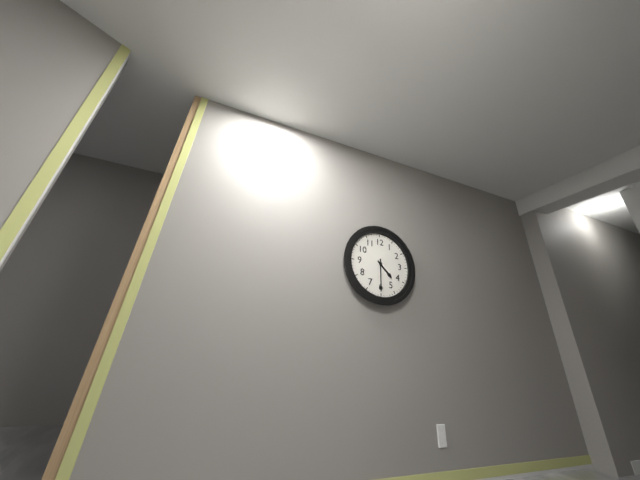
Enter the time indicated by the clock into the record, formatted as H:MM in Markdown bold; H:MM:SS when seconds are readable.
**4:30**
